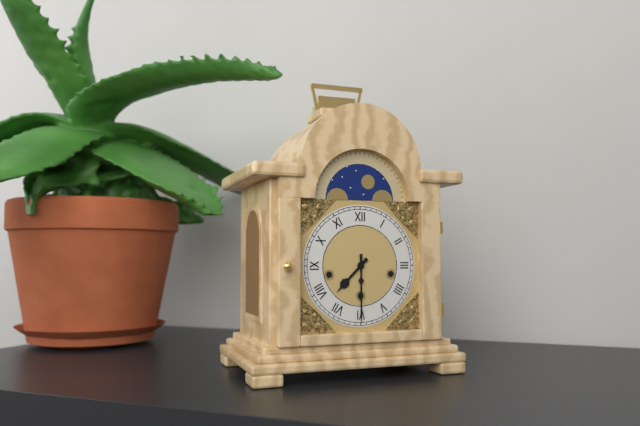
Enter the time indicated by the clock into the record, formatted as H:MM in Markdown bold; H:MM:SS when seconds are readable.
**7:30**
